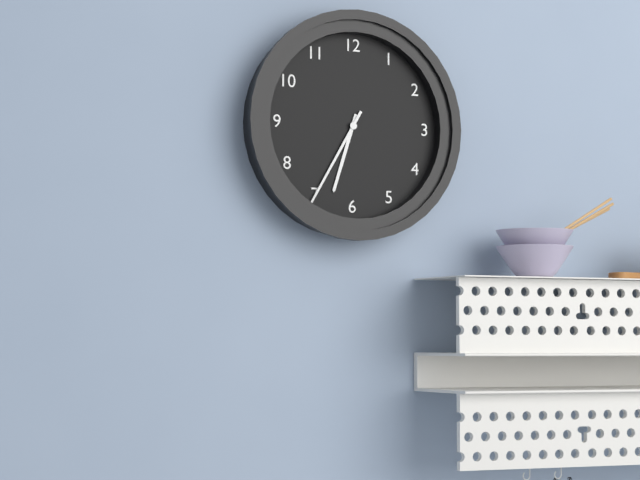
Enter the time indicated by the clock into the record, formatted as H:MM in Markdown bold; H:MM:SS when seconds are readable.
**6:35**
